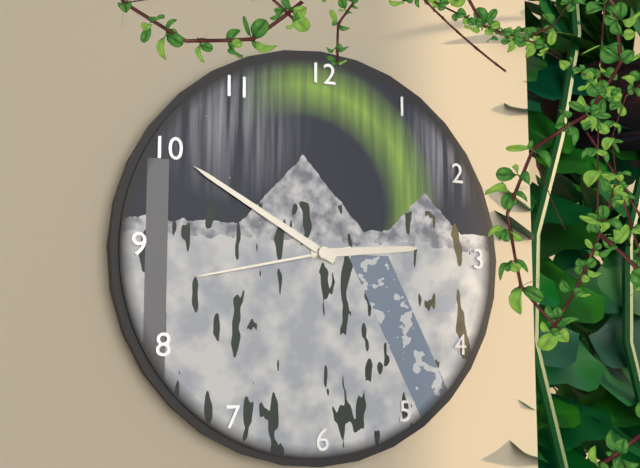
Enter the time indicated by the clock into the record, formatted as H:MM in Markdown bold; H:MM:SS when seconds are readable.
**2:50:43**
